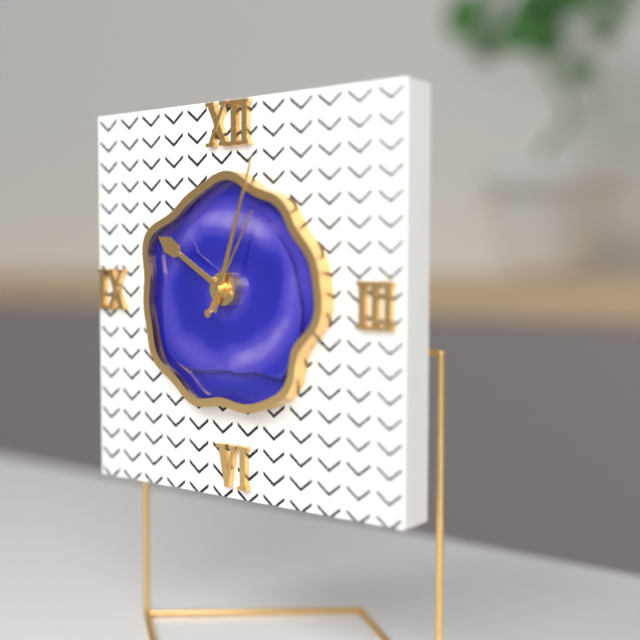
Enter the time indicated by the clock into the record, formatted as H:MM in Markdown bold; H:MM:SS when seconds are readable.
**10:03:05**
